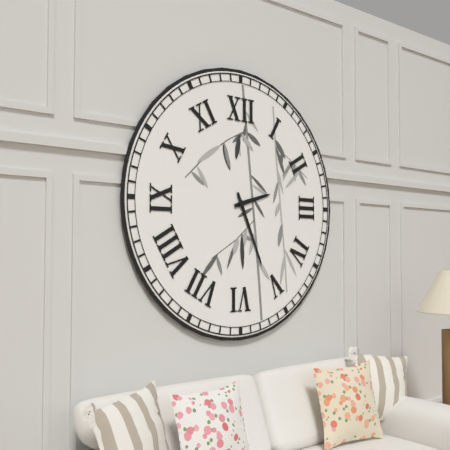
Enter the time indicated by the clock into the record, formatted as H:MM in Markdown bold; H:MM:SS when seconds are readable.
**2:26**
